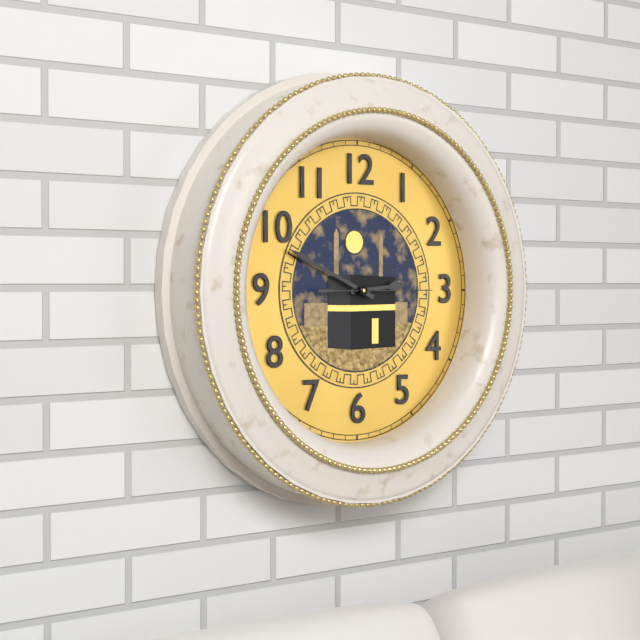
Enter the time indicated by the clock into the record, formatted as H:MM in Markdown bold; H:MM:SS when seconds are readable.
**2:49:15**
